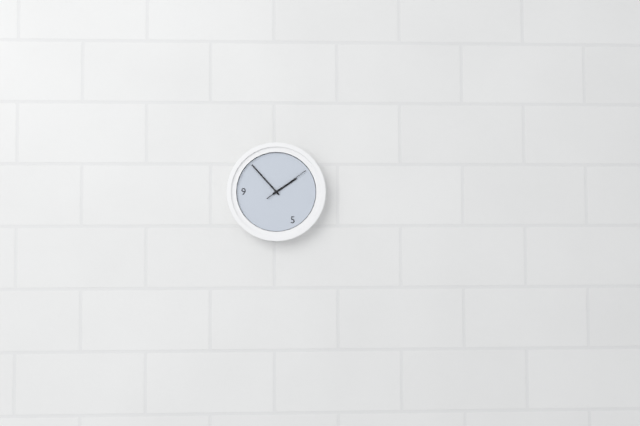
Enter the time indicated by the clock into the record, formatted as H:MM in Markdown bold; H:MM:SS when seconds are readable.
**1:53**
